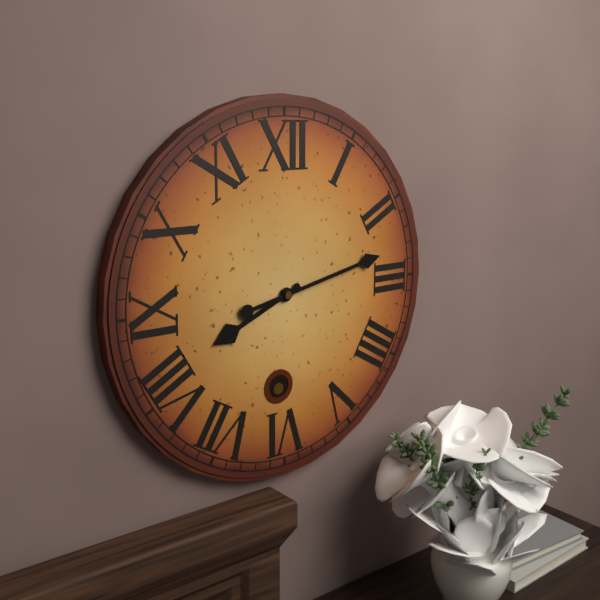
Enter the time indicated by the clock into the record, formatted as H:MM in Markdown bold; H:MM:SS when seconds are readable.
**8:13**
